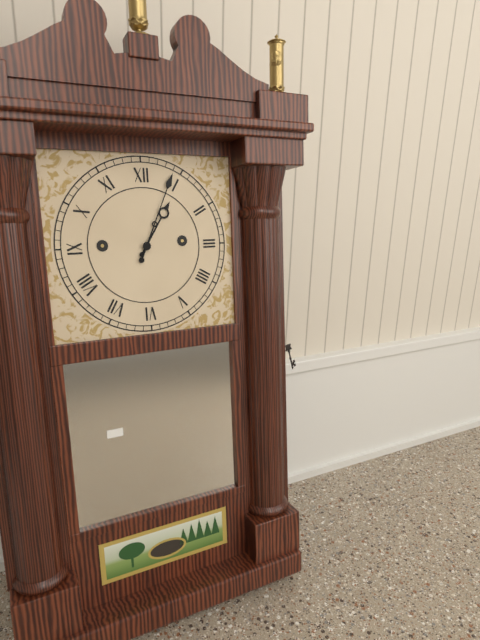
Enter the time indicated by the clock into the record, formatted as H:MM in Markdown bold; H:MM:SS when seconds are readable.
**1:04**
